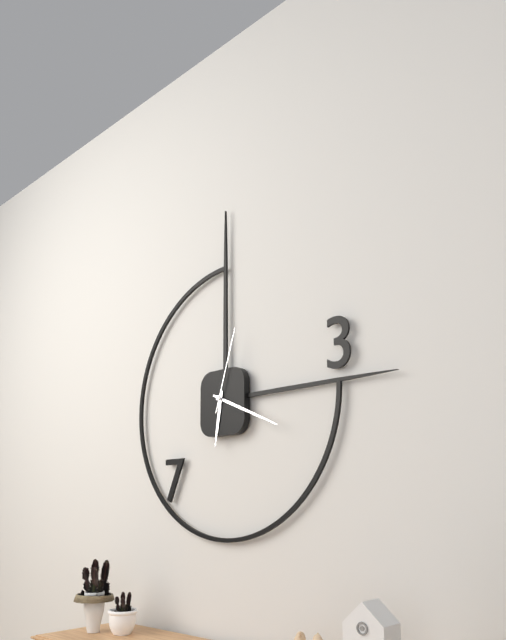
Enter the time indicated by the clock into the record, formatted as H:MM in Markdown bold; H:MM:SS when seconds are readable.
**6:19:03**
